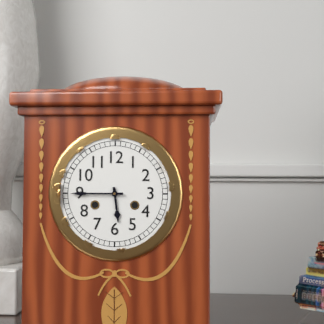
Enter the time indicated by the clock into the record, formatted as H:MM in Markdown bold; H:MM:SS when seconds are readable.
**5:45**
